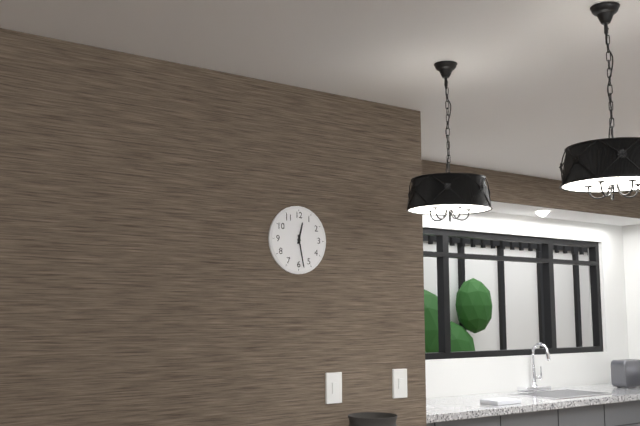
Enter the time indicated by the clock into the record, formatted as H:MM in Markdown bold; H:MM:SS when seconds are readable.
**12:28**
